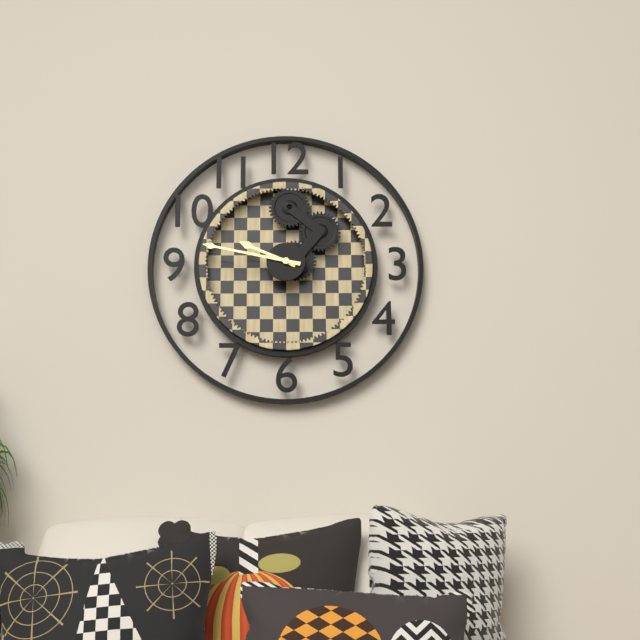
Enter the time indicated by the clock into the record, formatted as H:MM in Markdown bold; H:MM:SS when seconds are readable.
**9:47**
